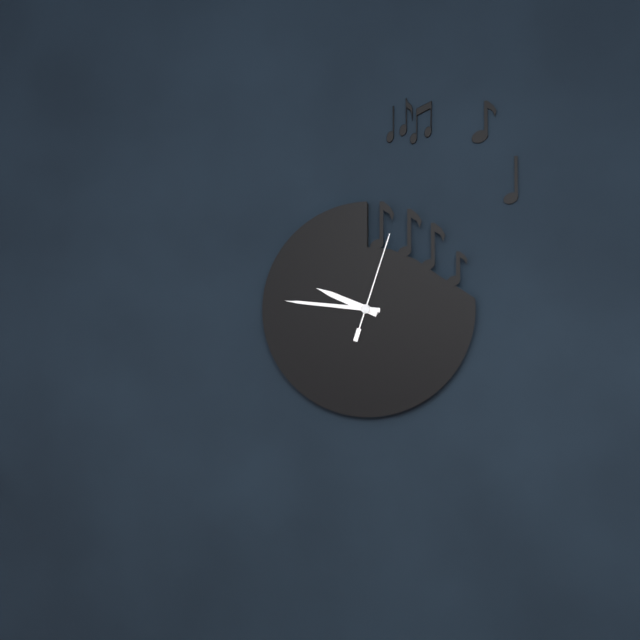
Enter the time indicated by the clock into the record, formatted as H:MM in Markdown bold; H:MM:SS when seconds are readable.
**9:46:03**
